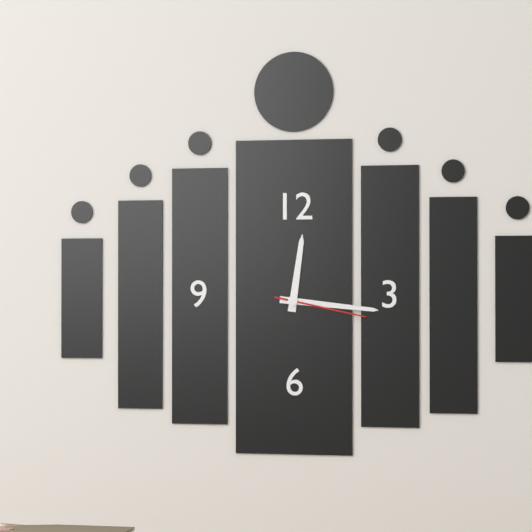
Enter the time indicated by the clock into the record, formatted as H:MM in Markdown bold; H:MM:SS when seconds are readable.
**12:16:17**
